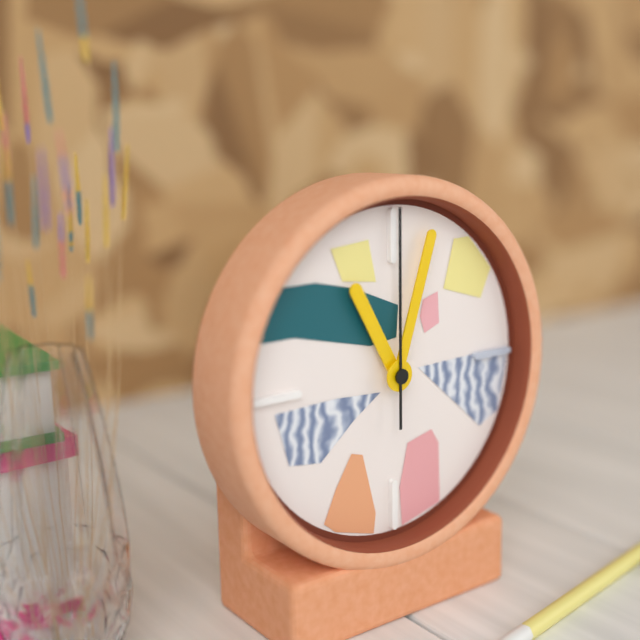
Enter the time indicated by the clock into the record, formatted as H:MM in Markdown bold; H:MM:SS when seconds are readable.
**11:03:00**
